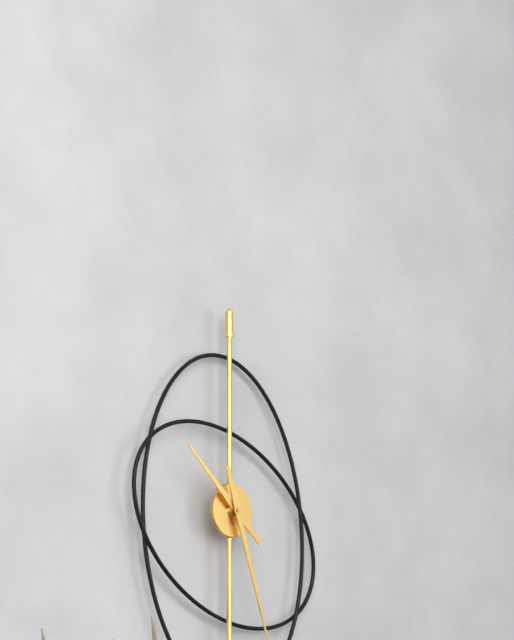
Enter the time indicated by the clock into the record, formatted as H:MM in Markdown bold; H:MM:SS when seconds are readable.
**10:27**
